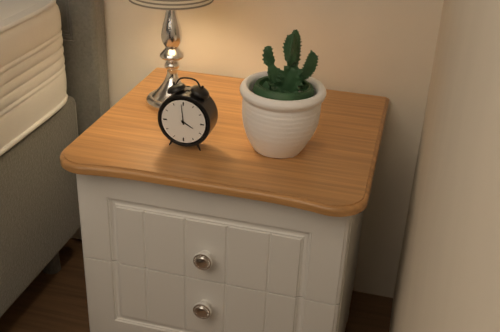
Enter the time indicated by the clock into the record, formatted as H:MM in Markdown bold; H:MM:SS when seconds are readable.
**3:59**
